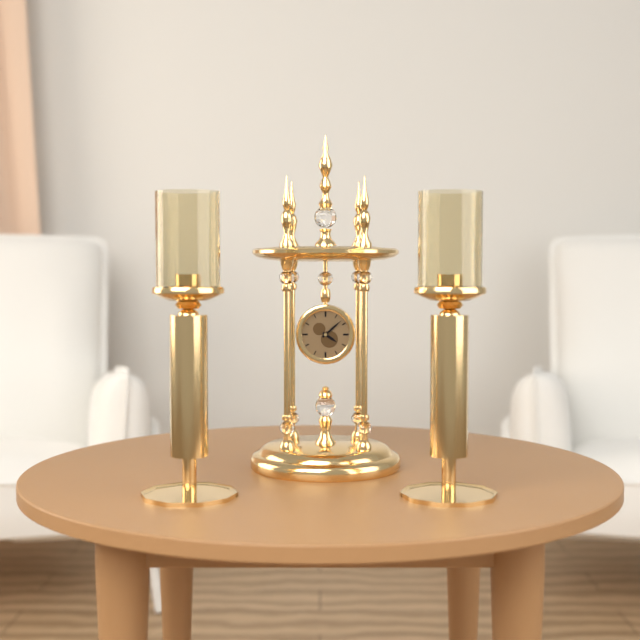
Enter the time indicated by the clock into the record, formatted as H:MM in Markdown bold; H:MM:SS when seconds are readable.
**4:08**
